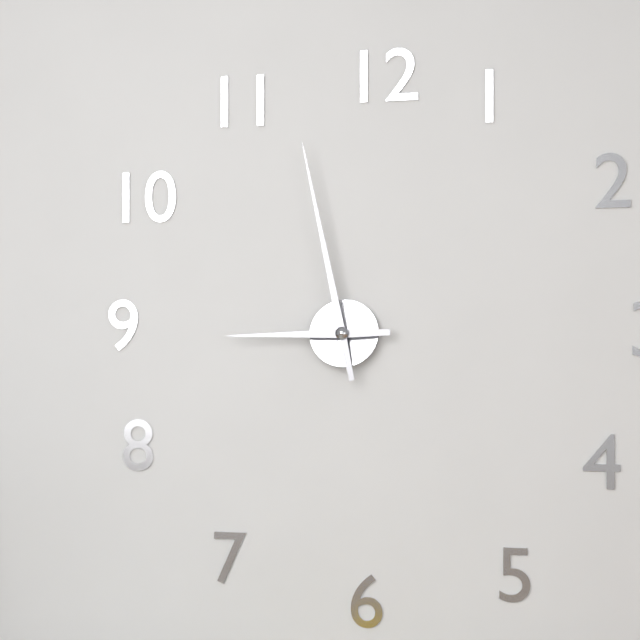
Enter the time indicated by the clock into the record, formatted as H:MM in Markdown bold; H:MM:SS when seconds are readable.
**8:58**
